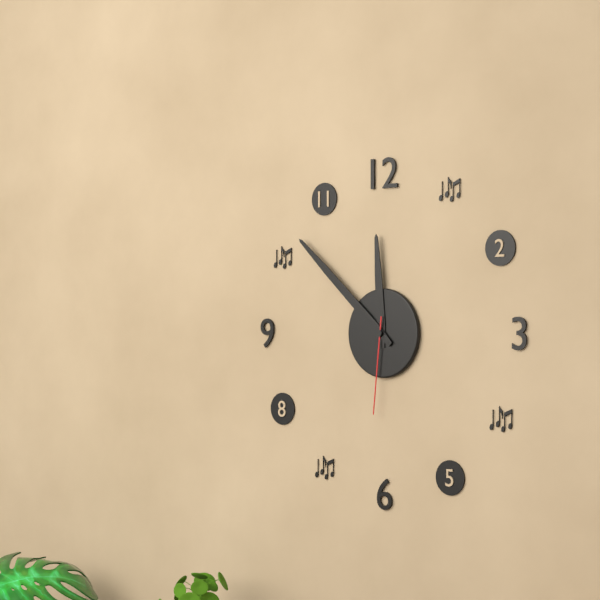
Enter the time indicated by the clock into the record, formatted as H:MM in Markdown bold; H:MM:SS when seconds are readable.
**11:52:31**
